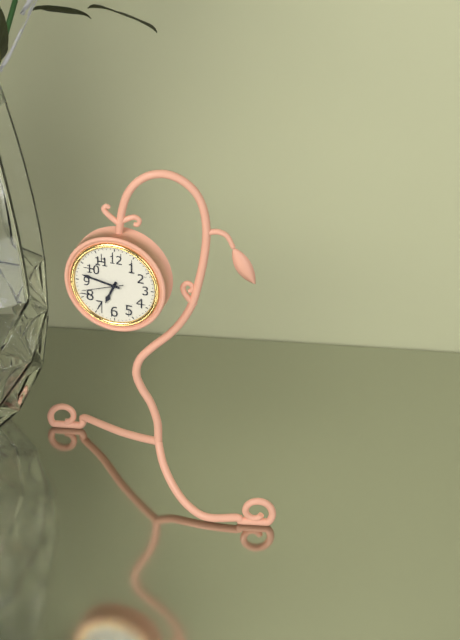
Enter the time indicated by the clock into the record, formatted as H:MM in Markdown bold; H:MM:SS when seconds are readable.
**6:47**
